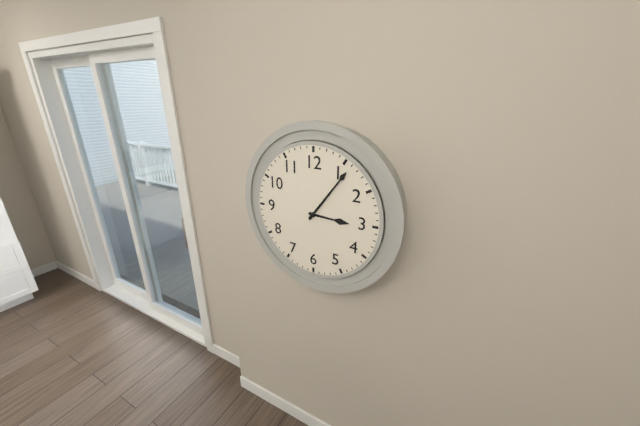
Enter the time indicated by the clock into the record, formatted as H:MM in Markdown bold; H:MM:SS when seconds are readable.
**3:06**
